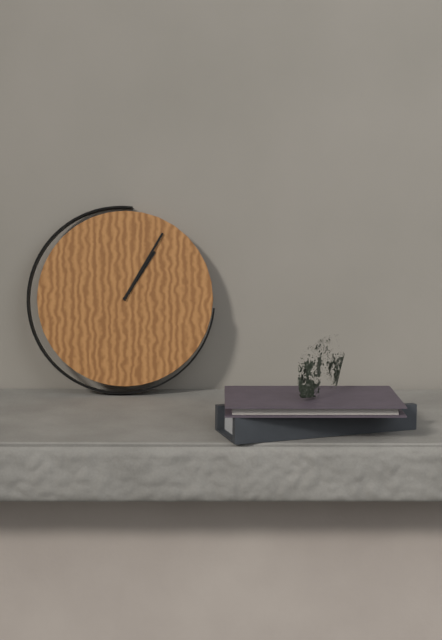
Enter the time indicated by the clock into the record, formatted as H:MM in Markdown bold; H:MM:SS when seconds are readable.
**1:05**
